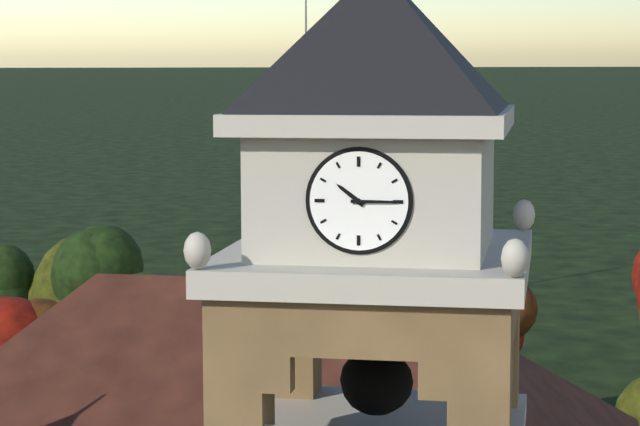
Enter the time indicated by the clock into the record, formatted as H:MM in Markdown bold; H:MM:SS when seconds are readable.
**10:15**
